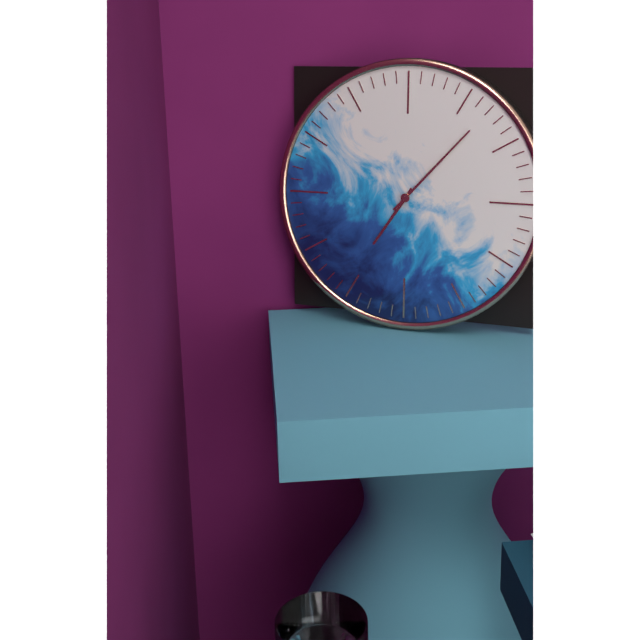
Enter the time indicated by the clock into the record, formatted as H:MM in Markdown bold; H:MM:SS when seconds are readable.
**7:07**
